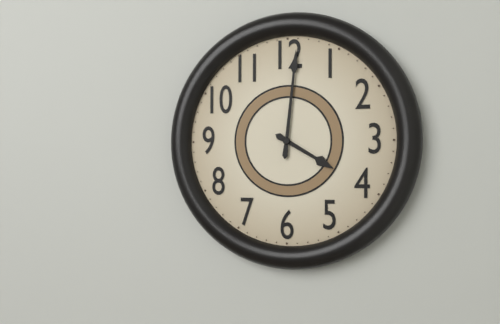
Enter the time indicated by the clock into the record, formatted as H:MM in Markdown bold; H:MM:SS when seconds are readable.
**4:01**
